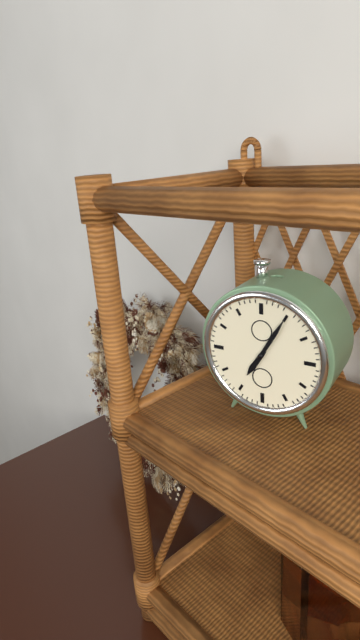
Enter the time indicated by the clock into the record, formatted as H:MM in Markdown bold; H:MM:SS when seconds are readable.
**7:05**
